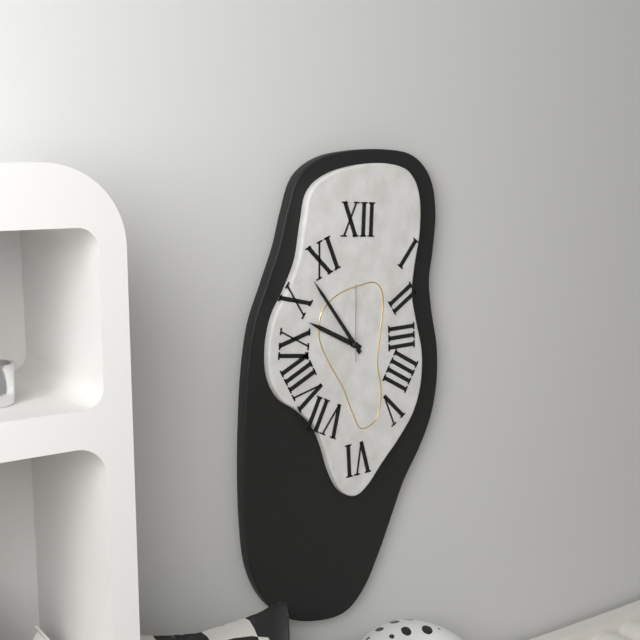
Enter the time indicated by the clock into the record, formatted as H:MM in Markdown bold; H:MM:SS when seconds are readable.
**9:54:00**
